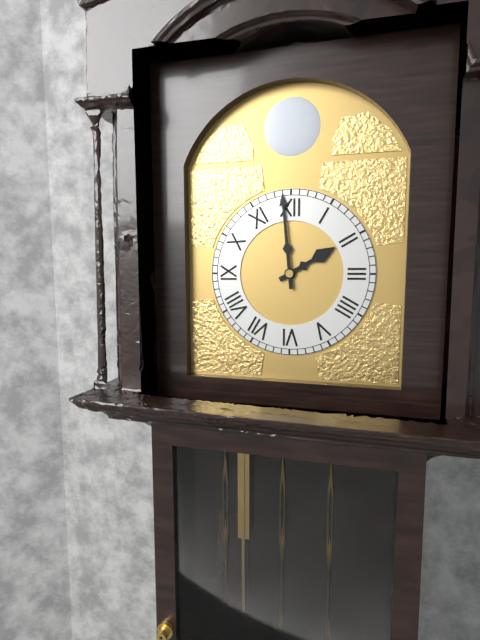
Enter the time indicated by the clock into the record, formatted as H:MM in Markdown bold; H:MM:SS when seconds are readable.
**1:59**
